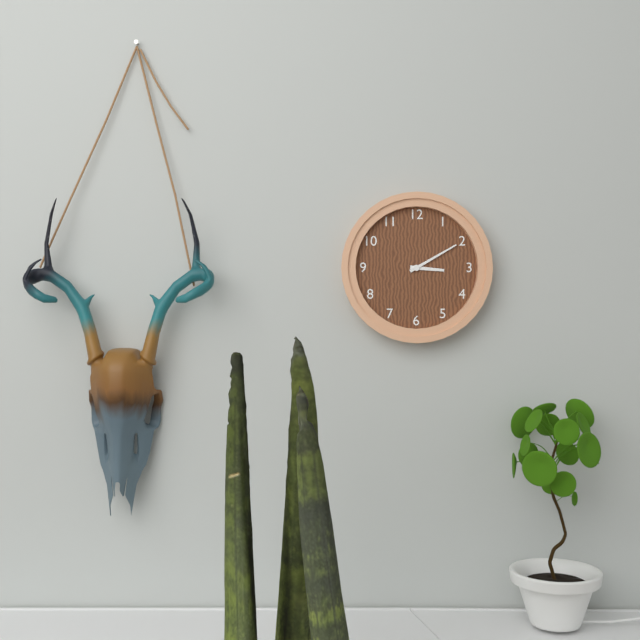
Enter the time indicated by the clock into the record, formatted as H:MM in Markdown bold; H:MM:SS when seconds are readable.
**3:10**
